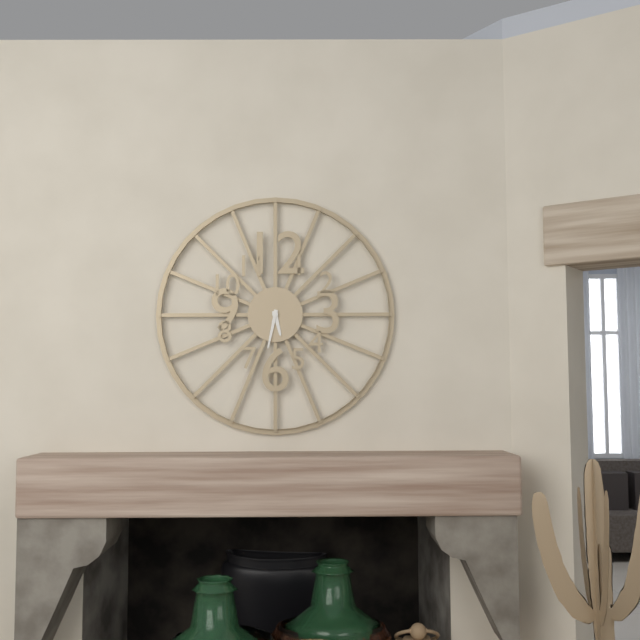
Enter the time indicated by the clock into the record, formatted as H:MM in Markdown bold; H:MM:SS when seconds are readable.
**5:32**
